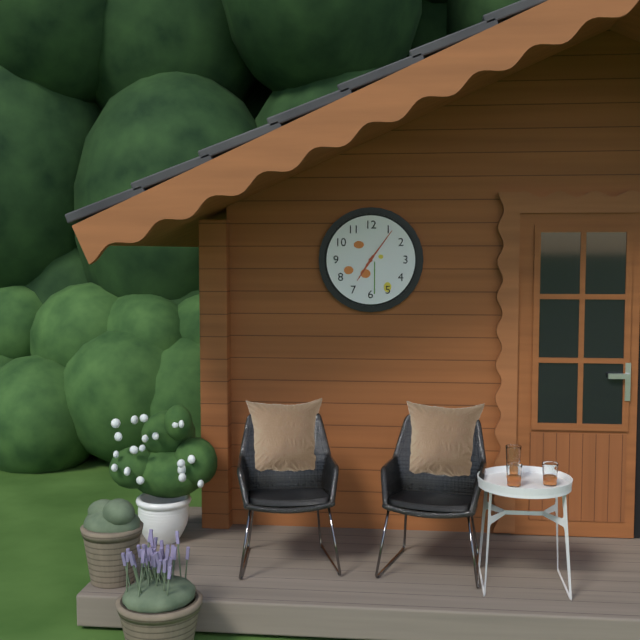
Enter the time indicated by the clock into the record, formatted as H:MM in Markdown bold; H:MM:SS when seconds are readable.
**7:06**
